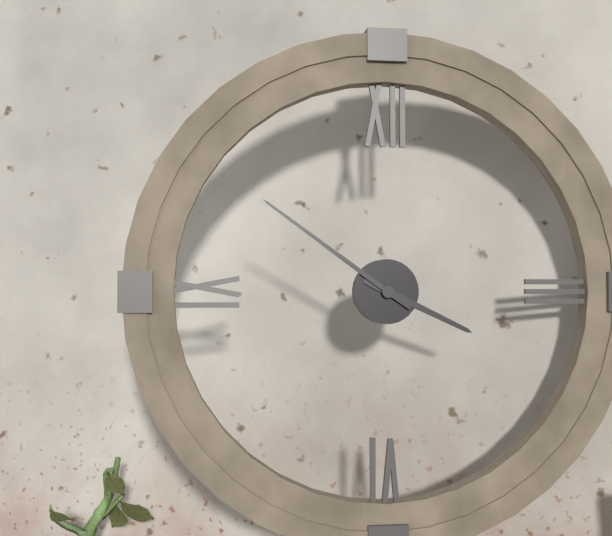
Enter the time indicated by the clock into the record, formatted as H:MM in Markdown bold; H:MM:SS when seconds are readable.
**3:51**
